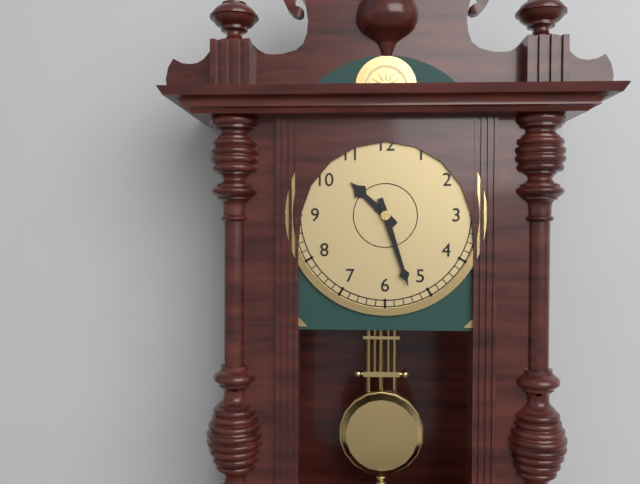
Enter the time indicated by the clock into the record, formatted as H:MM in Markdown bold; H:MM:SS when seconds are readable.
**10:27**
